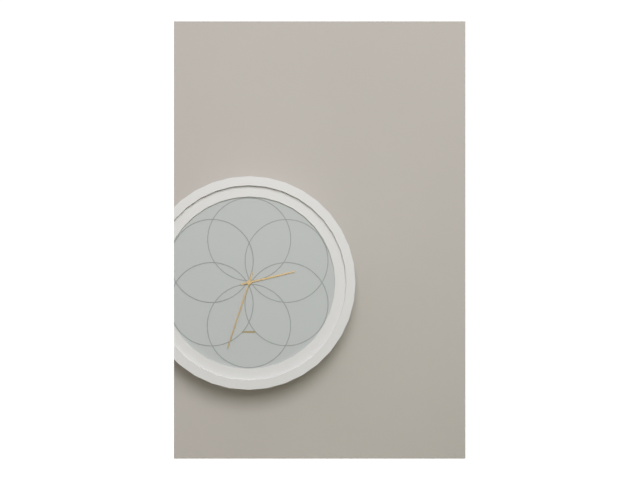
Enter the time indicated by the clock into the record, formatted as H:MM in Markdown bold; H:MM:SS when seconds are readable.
**2:33**
